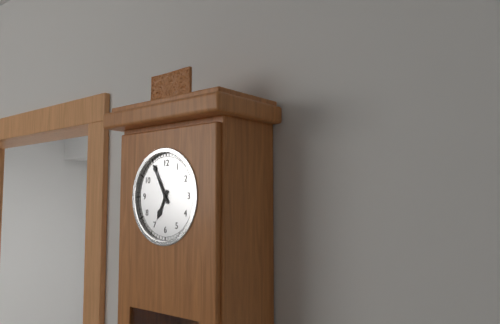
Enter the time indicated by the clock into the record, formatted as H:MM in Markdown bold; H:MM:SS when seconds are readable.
**6:55**
